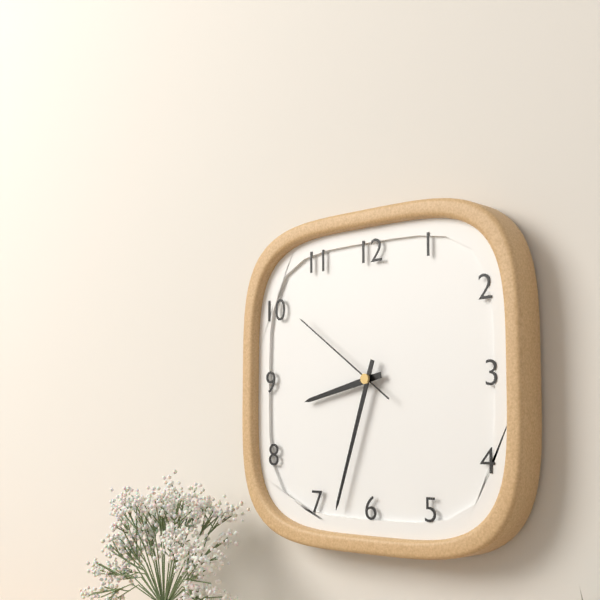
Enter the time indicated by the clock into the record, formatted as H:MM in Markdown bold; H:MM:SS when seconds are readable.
**8:33:51**
